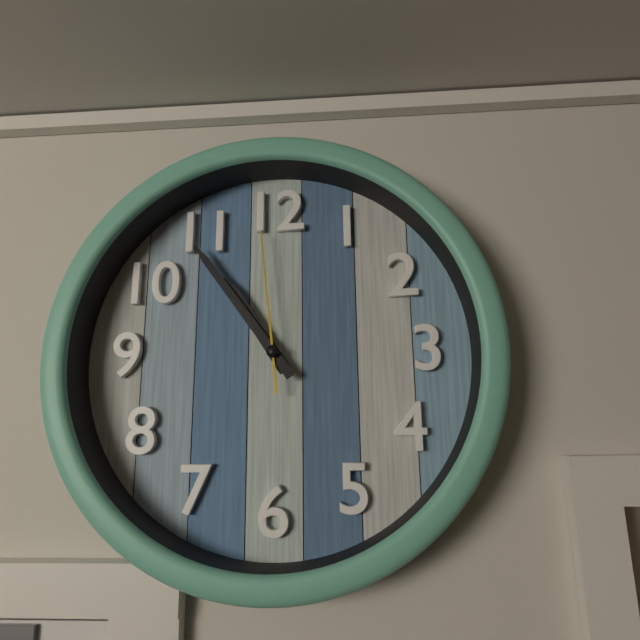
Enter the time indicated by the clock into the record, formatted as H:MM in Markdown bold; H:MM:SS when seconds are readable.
**10:54:59**
